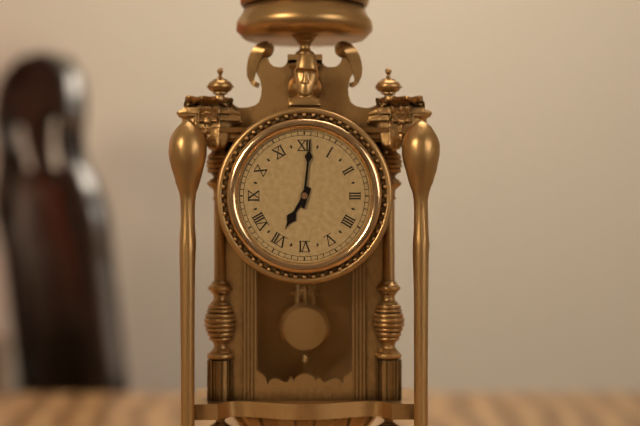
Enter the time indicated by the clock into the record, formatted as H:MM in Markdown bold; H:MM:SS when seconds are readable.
**7:01**
